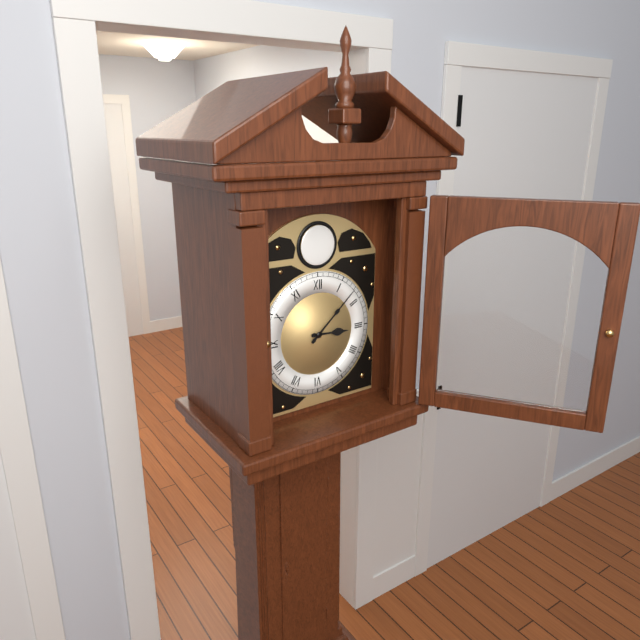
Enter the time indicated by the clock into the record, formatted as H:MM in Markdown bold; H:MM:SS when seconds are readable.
**3:08**
